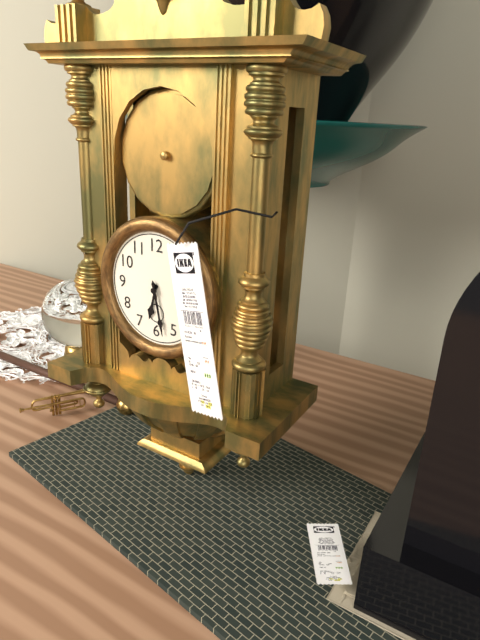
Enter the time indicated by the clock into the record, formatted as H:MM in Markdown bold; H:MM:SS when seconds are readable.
**6:28**
